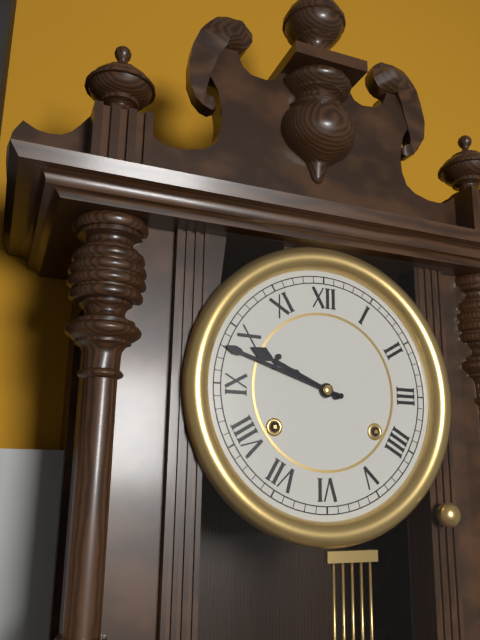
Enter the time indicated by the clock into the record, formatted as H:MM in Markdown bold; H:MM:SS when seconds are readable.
**9:48**
